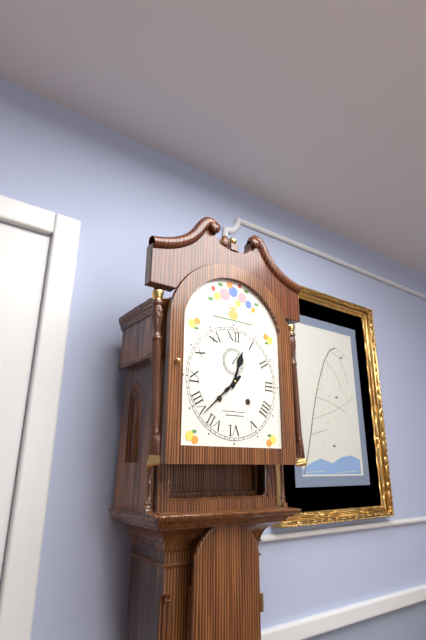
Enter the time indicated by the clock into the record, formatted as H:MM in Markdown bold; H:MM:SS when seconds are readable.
**12:38**
